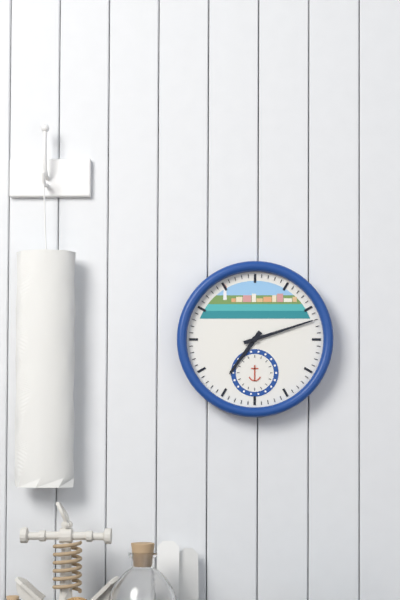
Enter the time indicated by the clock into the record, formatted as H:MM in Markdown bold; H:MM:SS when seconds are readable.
**7:12**
